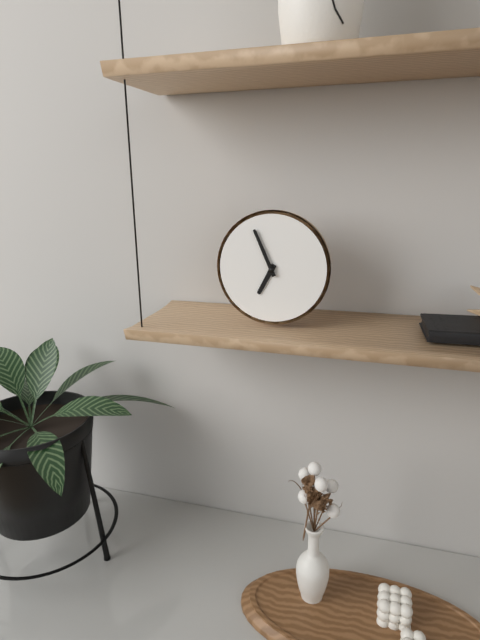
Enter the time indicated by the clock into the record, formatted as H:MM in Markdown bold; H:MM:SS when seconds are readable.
**6:56**
